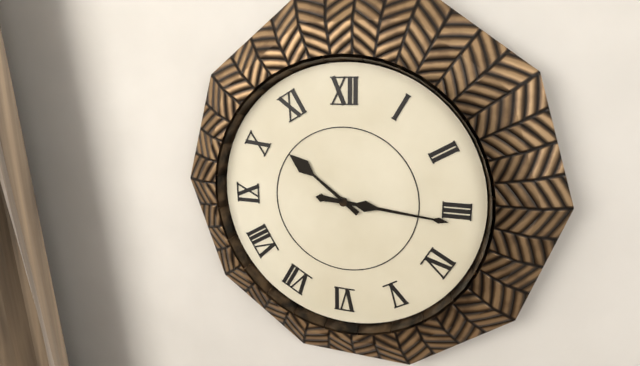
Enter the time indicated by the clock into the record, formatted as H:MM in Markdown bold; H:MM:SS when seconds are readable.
**10:16**
